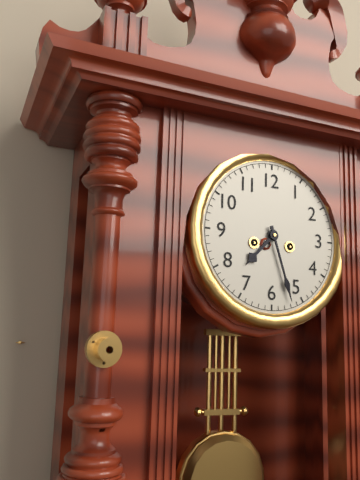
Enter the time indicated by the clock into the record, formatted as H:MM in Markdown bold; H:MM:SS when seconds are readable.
**7:27**
